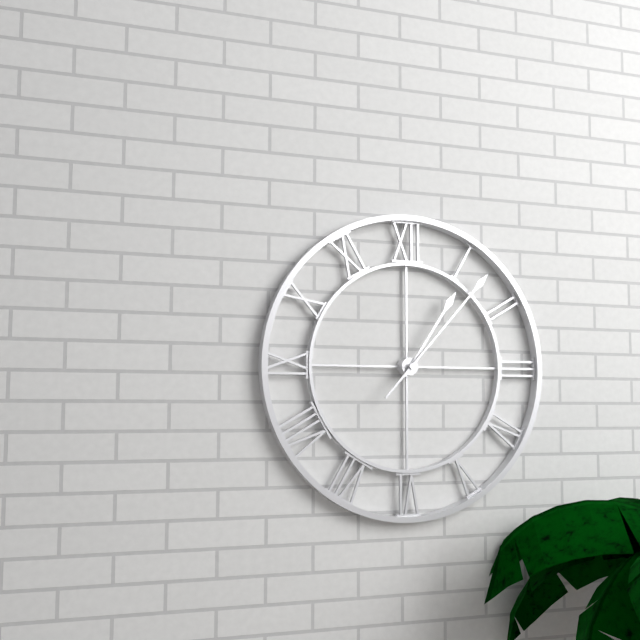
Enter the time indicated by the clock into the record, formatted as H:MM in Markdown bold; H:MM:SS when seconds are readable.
**1:07**
